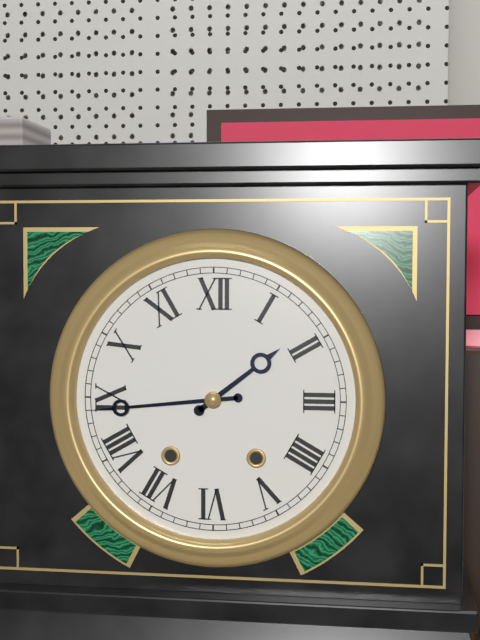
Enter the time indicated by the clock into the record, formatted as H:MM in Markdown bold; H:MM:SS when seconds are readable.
**1:44**
